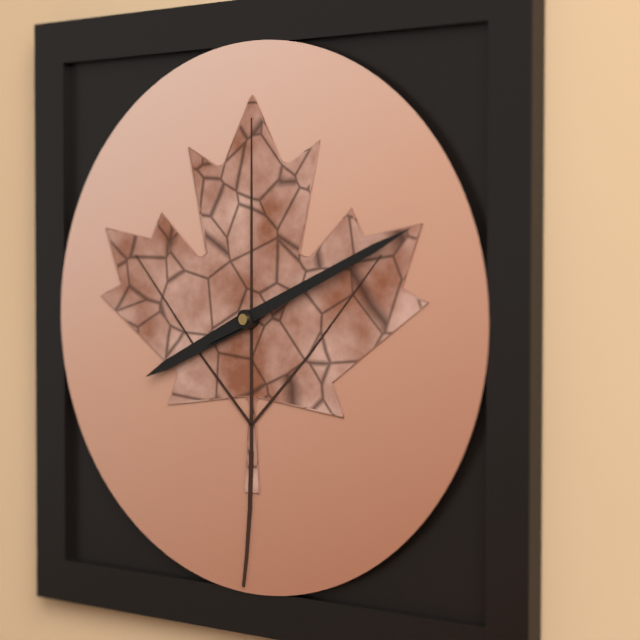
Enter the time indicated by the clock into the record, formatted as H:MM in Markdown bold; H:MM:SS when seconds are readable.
**8:11**
